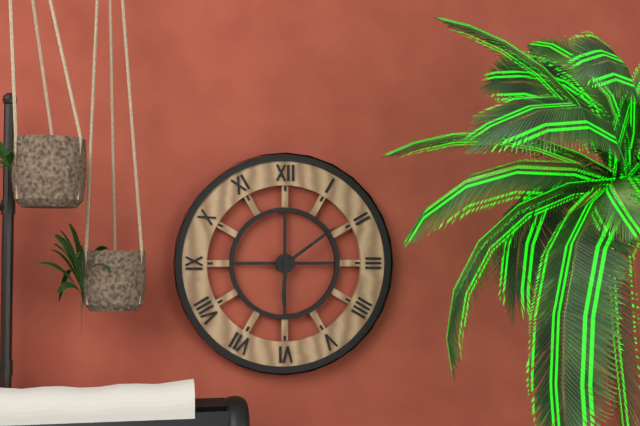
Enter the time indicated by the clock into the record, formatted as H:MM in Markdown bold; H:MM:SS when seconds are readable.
**6:09**
